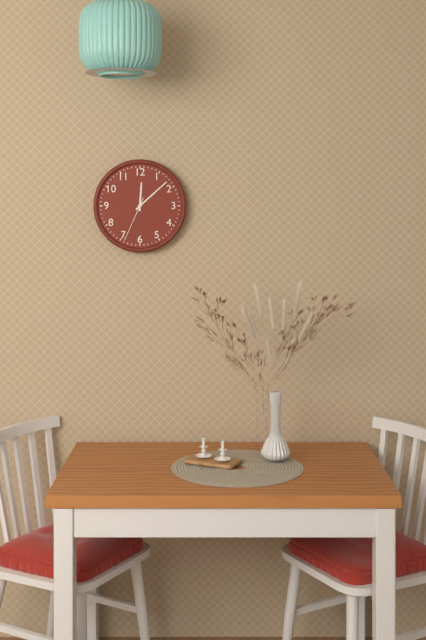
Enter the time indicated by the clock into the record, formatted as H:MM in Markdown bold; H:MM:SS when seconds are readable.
**12:08**
